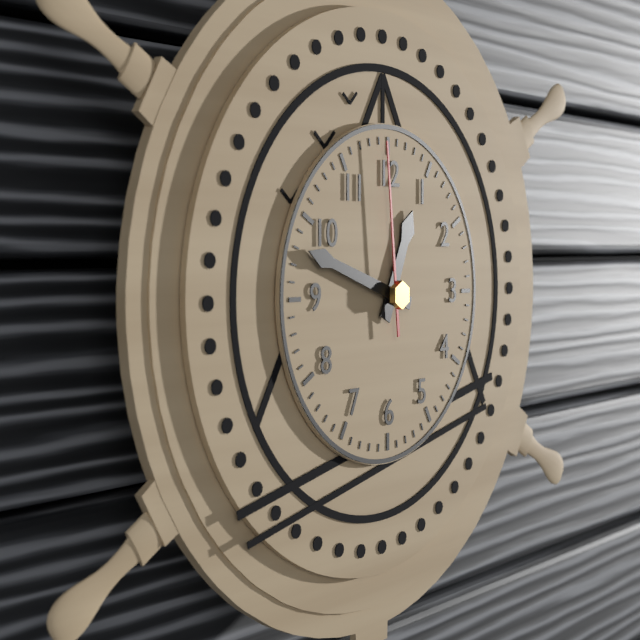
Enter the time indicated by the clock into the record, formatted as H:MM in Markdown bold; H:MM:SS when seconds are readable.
**12:48:59**
